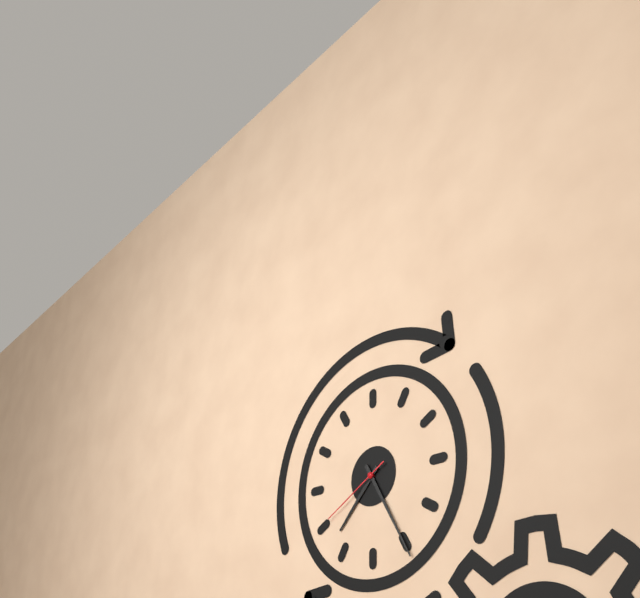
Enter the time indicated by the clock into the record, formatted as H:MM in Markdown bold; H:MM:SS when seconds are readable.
**7:25:40**
